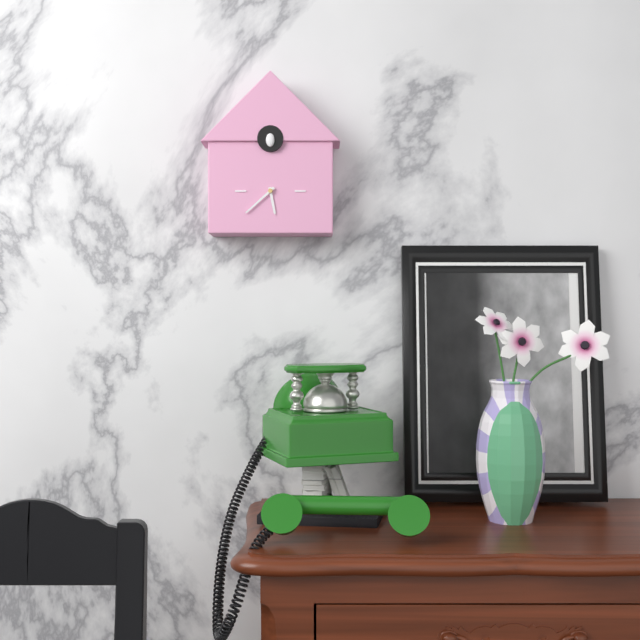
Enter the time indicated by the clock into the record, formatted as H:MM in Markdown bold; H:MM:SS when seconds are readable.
**5:38**
